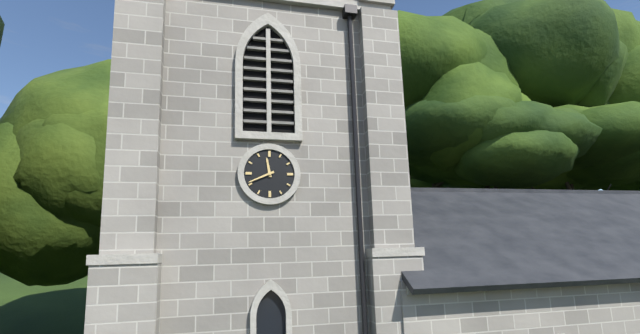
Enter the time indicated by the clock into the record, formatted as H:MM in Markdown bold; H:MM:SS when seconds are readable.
**11:41**
